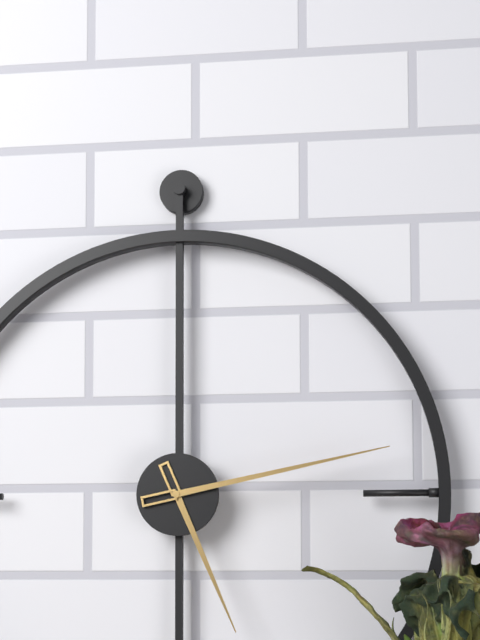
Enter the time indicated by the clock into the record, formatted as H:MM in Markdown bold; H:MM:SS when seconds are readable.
**5:13**
